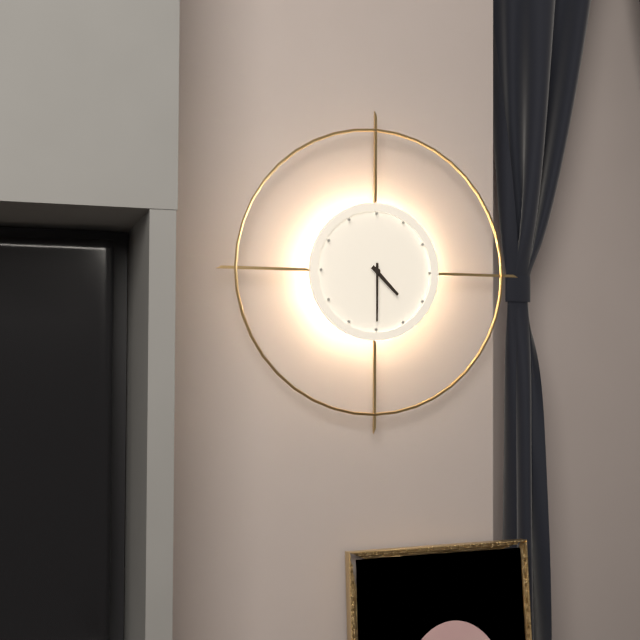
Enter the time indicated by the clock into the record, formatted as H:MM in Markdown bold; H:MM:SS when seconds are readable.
**4:30**
